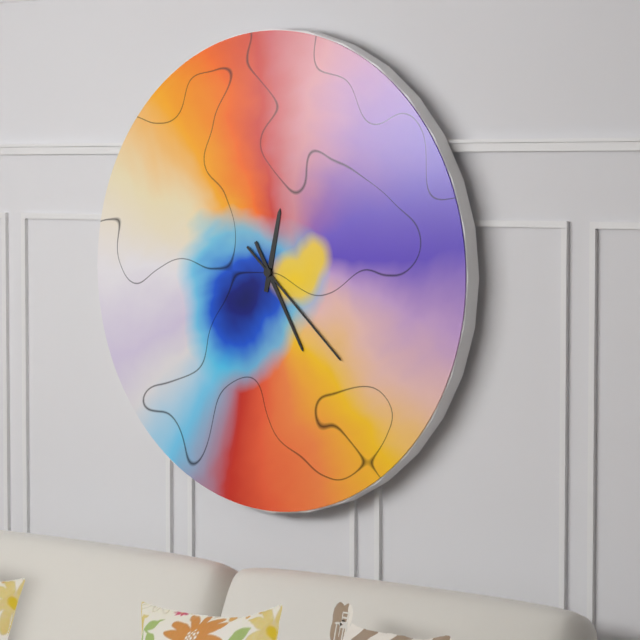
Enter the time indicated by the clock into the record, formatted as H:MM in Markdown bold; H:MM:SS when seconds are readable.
**12:25:22**
